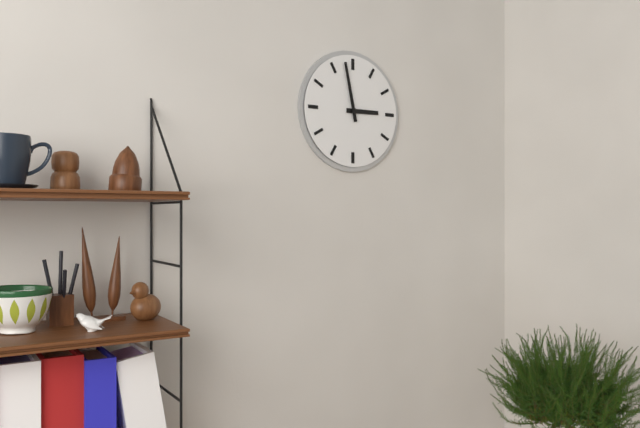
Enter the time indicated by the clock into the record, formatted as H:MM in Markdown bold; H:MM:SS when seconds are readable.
**2:58**
